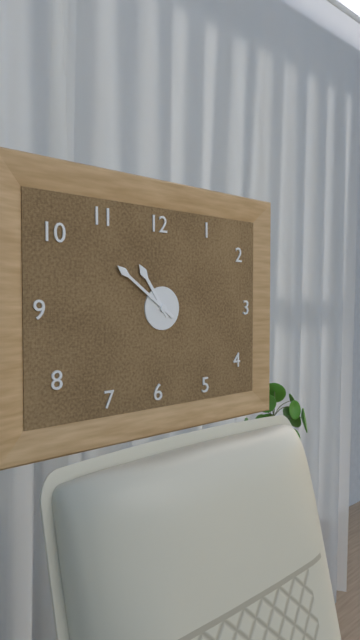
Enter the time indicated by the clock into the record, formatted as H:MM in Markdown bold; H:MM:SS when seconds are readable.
**10:51**
